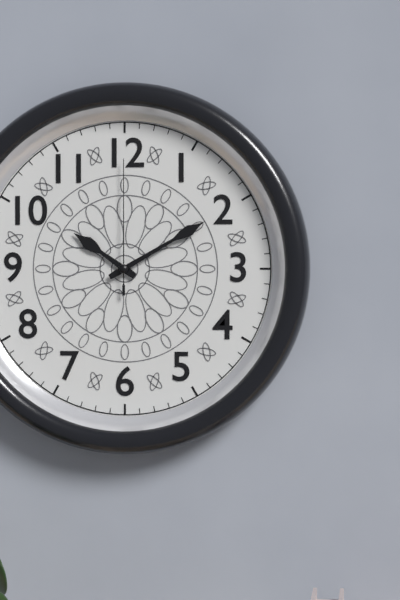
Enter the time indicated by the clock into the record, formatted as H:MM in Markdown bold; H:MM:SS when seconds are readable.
**10:10:00**
